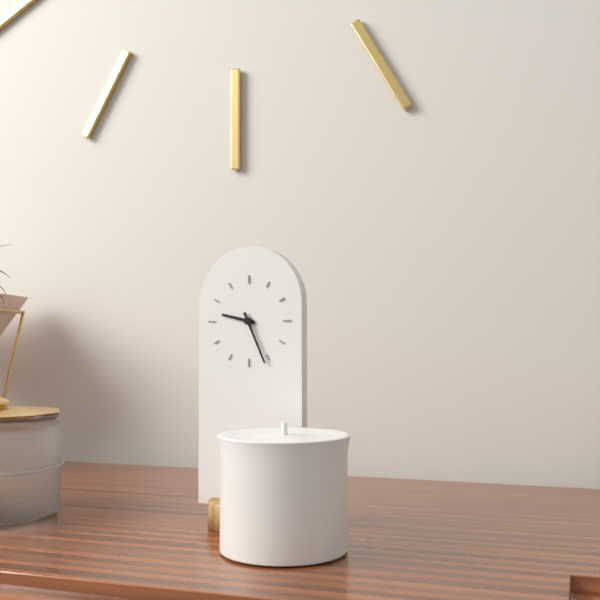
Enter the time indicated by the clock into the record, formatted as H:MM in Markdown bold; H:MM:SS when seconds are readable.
**9:26**
